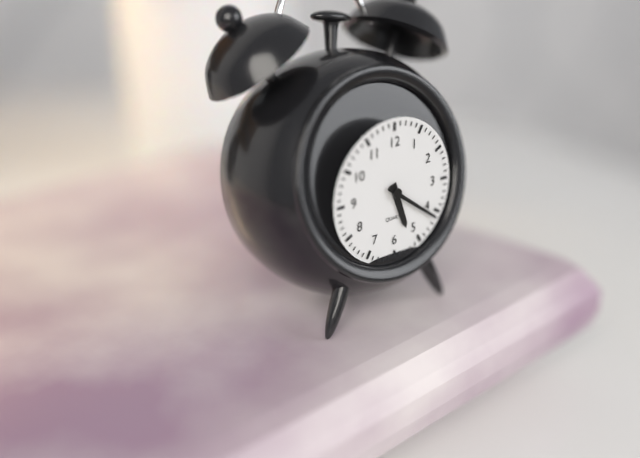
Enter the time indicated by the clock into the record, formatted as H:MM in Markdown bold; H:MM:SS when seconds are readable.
**5:21**
